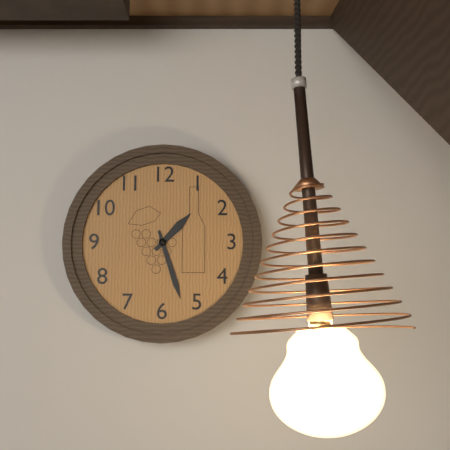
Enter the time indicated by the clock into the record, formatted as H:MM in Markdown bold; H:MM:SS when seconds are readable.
**1:27**
